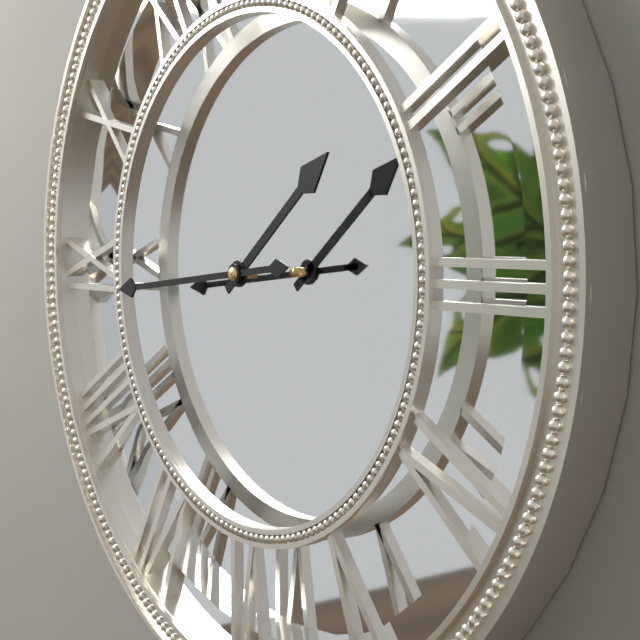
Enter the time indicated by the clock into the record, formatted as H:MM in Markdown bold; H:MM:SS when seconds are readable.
**1:44**
